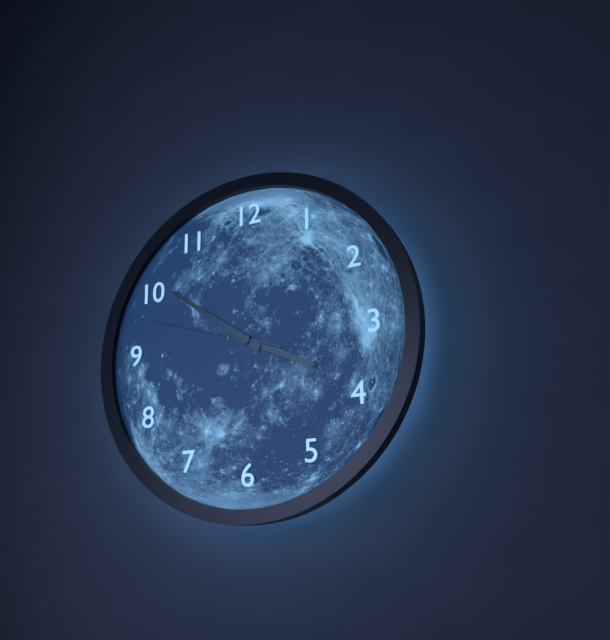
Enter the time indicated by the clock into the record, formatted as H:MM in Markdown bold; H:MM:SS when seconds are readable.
**3:51:48**
